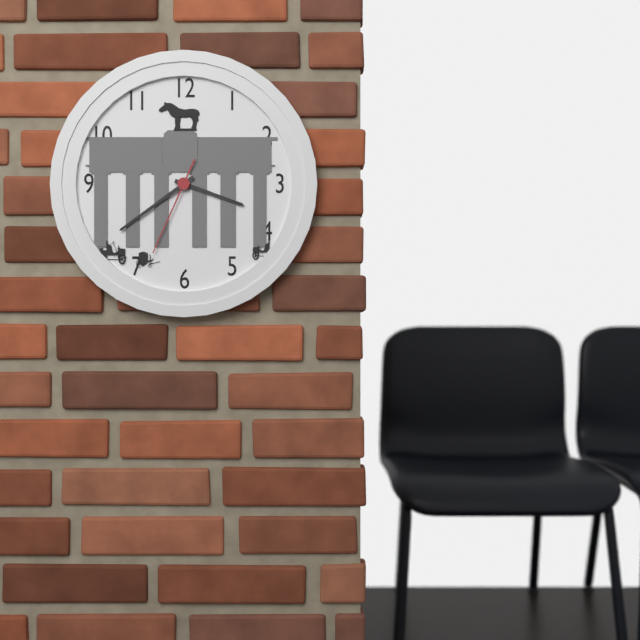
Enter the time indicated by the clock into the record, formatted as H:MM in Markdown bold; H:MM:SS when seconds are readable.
**3:39:34**
